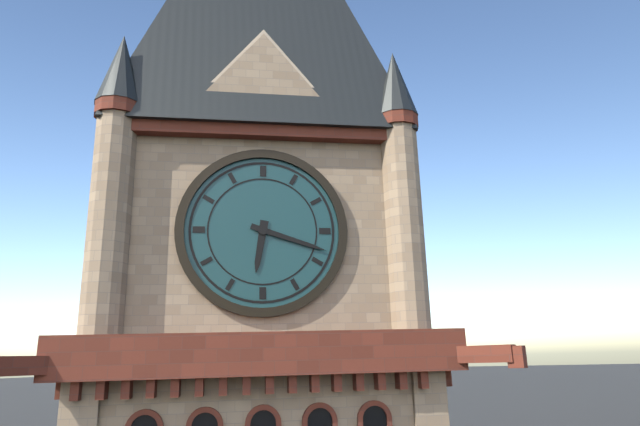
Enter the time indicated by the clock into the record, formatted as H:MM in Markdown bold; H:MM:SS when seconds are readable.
**6:18**
